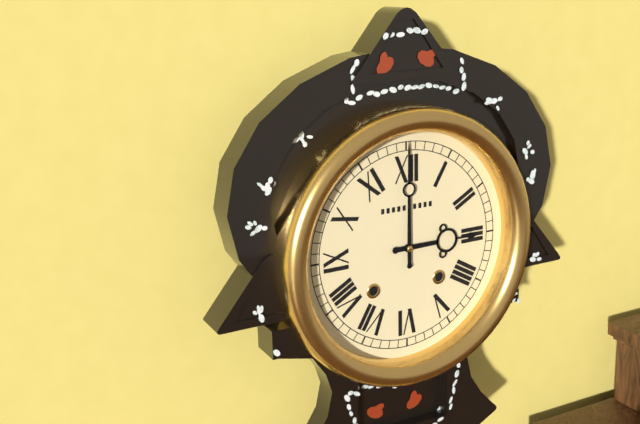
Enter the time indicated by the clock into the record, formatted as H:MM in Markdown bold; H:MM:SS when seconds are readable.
**3:00**
